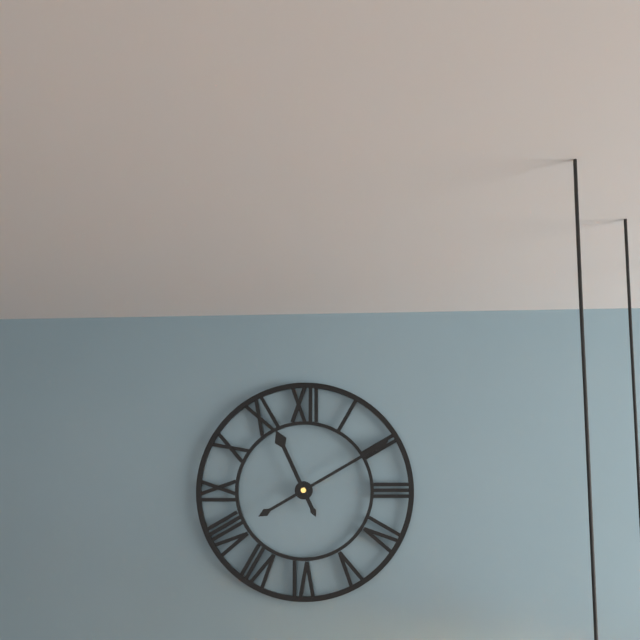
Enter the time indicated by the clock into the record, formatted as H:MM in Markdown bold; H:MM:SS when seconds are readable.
**11:10**
